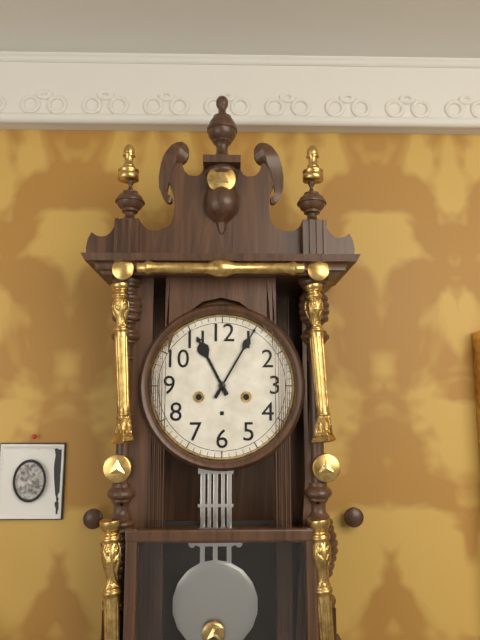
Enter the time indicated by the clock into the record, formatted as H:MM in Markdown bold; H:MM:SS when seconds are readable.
**11:05**
